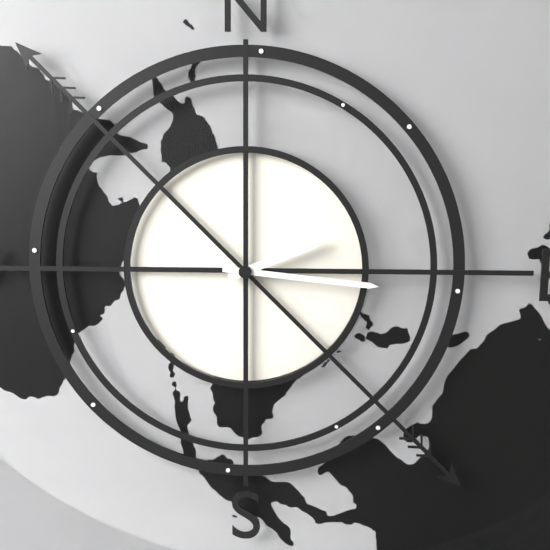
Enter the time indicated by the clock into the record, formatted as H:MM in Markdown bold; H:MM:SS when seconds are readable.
**2:16**
